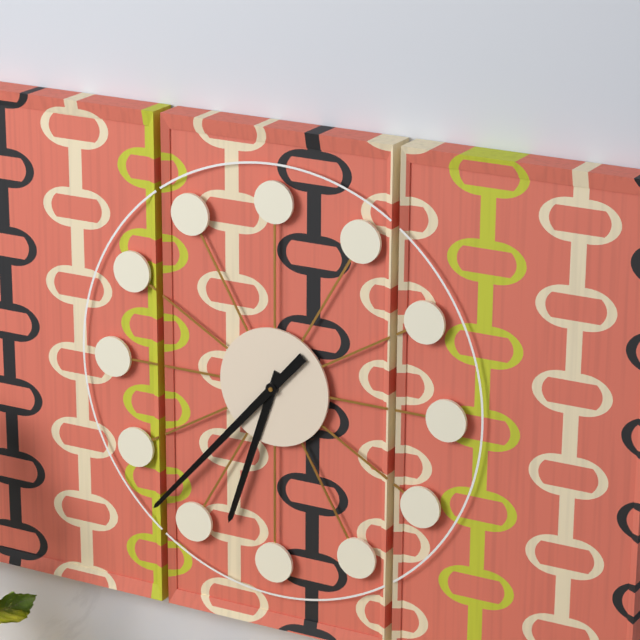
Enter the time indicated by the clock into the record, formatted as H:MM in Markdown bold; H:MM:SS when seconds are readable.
**6:37**
